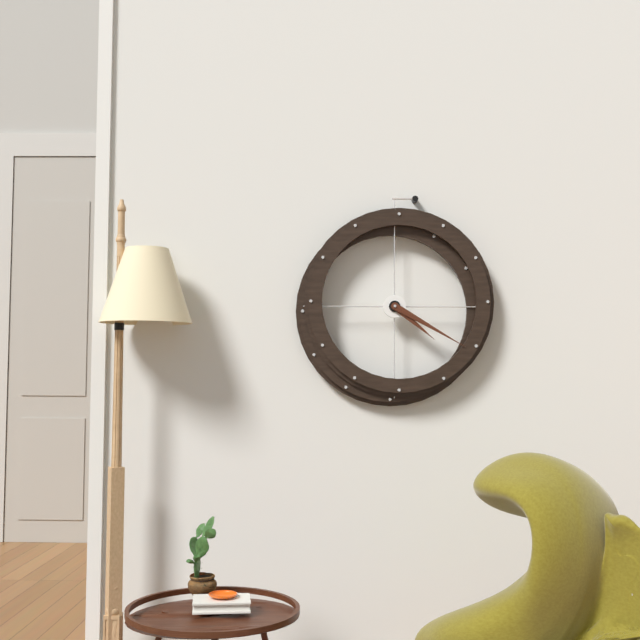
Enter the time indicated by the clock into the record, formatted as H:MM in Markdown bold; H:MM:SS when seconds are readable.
**4:20**
